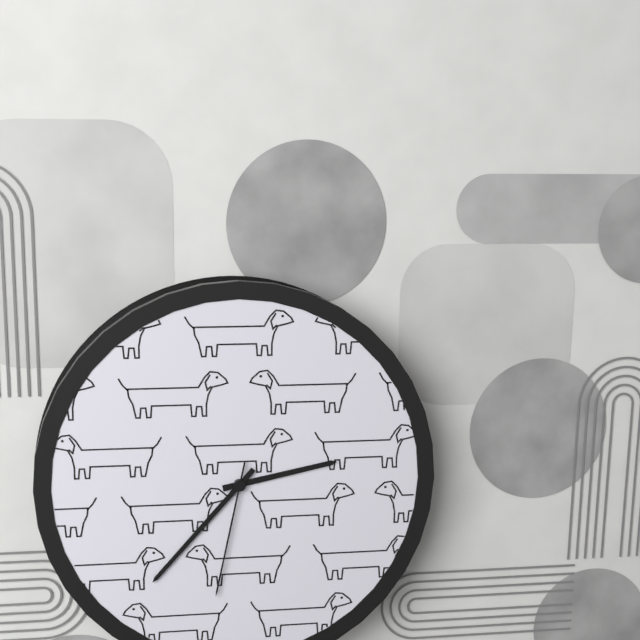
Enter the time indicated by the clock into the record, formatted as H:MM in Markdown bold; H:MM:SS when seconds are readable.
**2:37:32**
